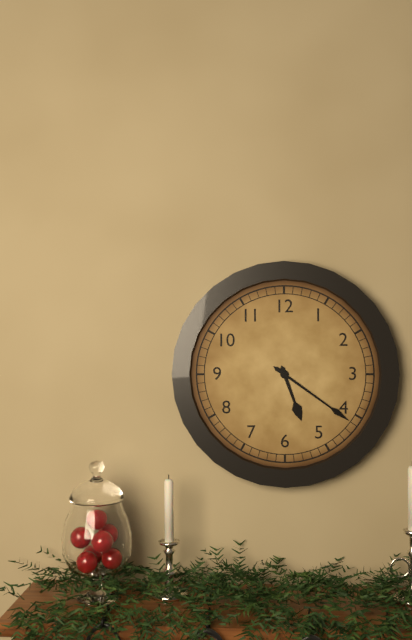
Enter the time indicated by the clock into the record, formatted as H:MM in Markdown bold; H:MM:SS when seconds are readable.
**5:21**
